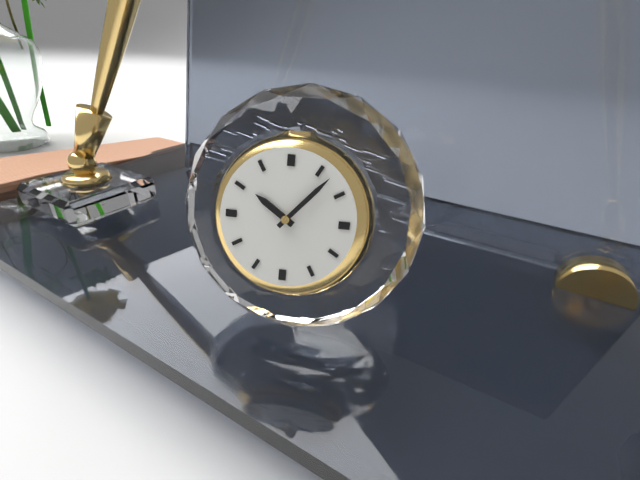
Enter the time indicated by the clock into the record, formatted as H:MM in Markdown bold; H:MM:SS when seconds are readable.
**10:07**
